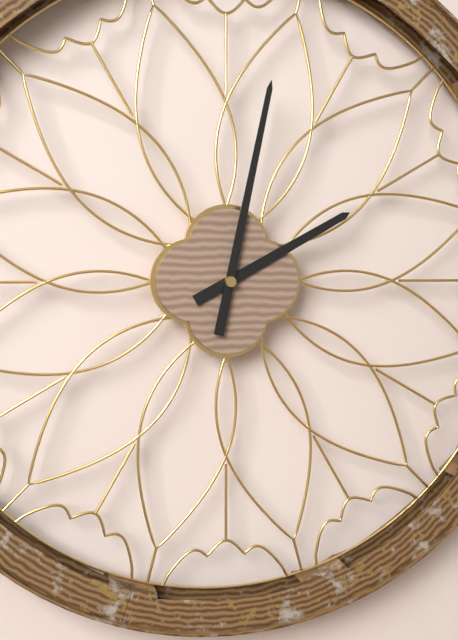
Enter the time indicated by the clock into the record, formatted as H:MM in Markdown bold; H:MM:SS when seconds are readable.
**2:02**
